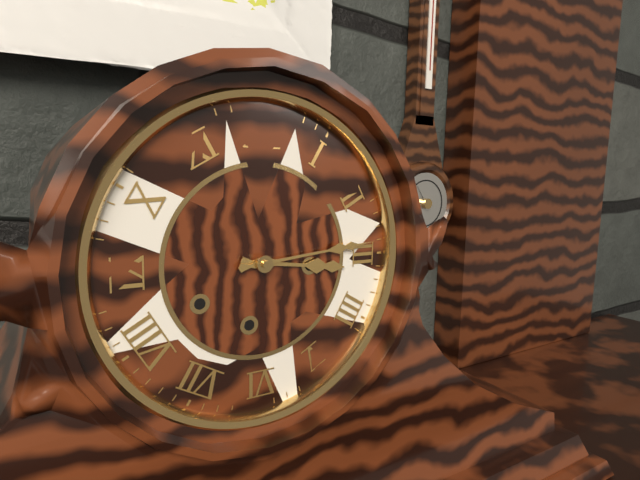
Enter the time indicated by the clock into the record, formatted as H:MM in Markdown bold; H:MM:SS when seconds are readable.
**3:14**
